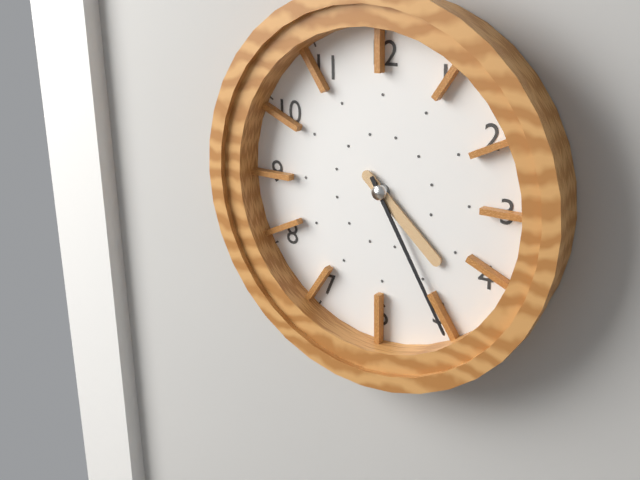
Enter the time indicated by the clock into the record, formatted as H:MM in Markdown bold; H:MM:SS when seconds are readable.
**4:25**
